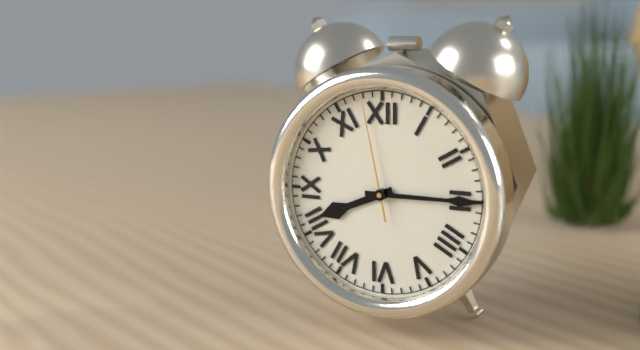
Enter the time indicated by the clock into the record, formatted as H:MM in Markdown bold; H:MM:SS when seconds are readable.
**8:15:58**
